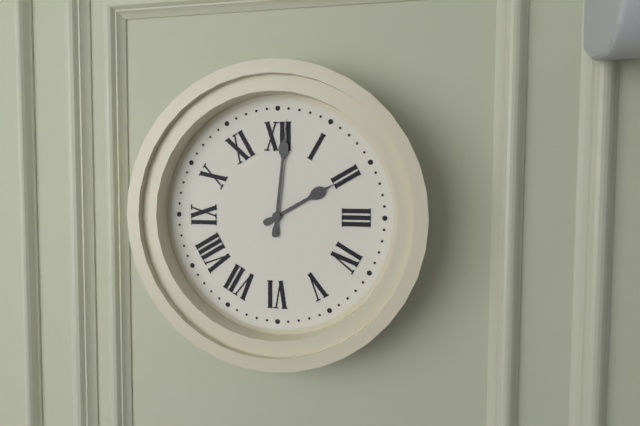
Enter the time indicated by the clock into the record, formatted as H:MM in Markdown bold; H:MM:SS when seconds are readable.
**2:01**
